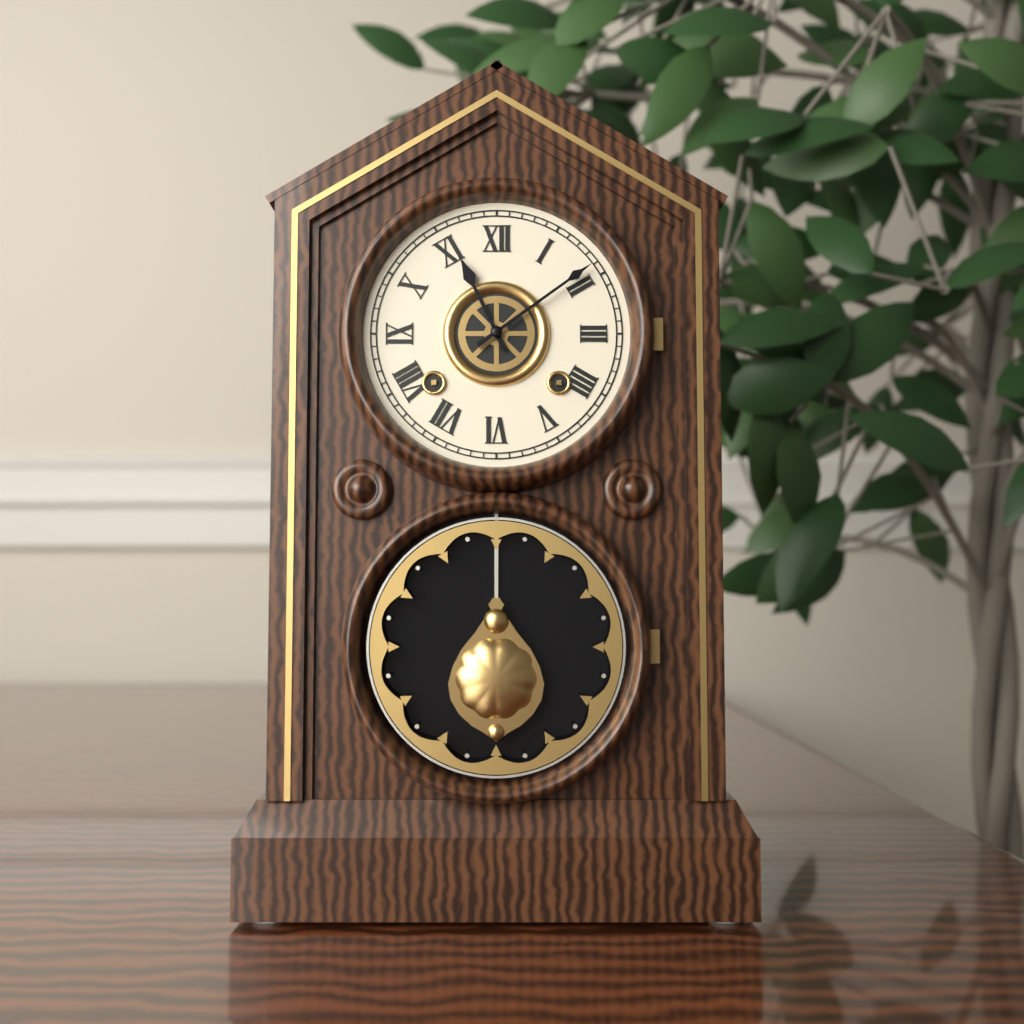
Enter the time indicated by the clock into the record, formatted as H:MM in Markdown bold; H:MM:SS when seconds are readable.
**11:09**
